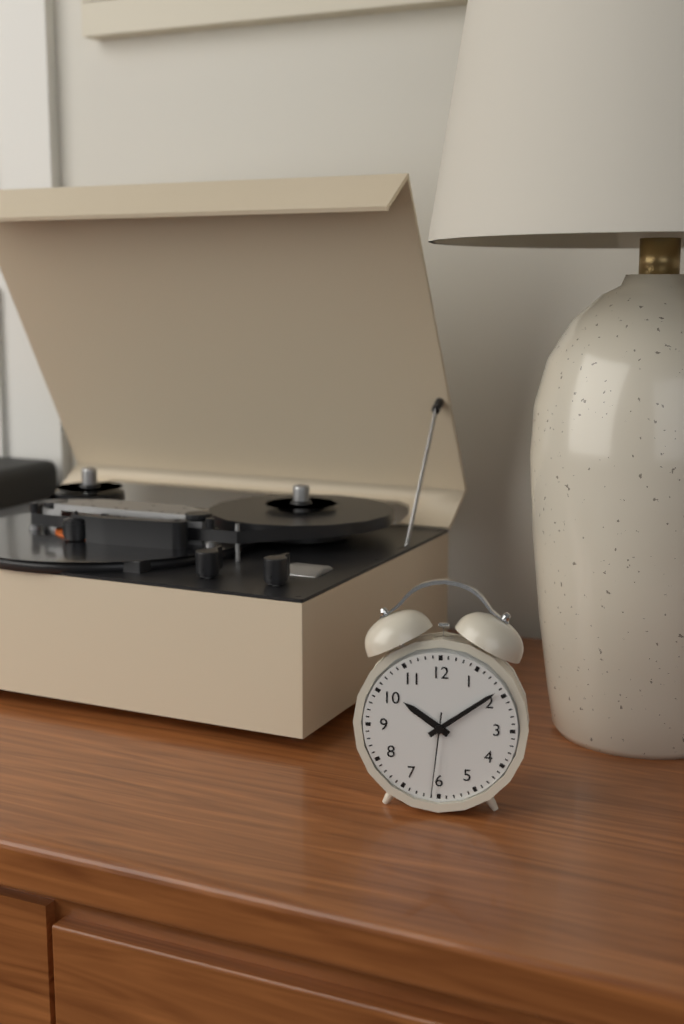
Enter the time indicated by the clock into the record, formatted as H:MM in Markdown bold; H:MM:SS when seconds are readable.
**10:09:31**
